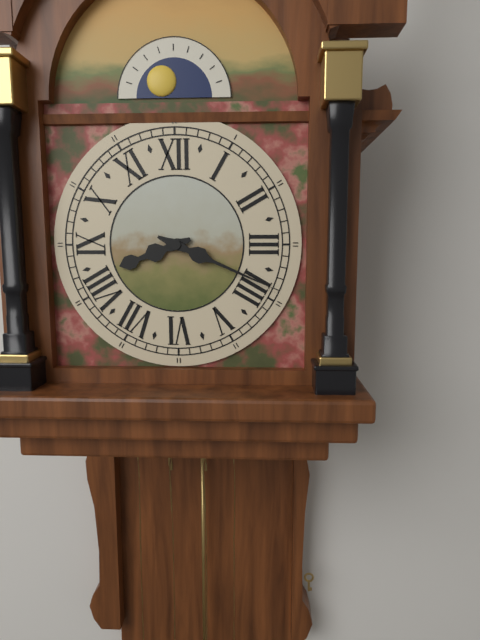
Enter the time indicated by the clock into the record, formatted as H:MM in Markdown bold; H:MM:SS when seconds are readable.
**8:19**
